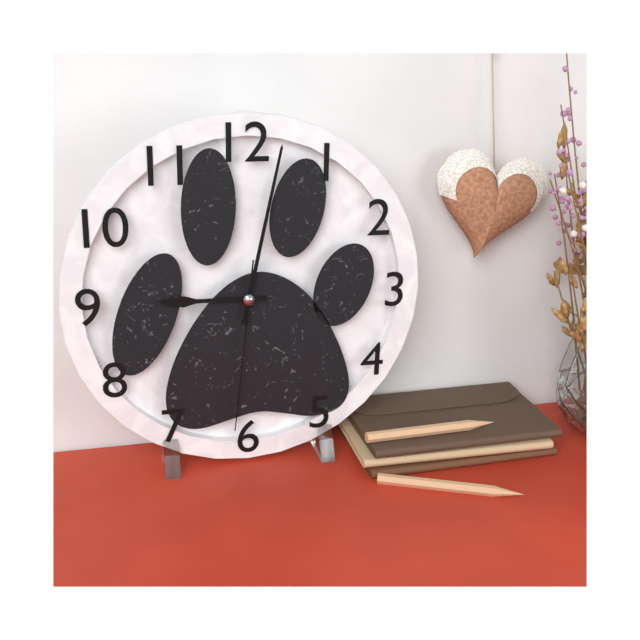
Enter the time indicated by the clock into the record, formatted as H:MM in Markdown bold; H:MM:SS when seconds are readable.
**9:02:31**
